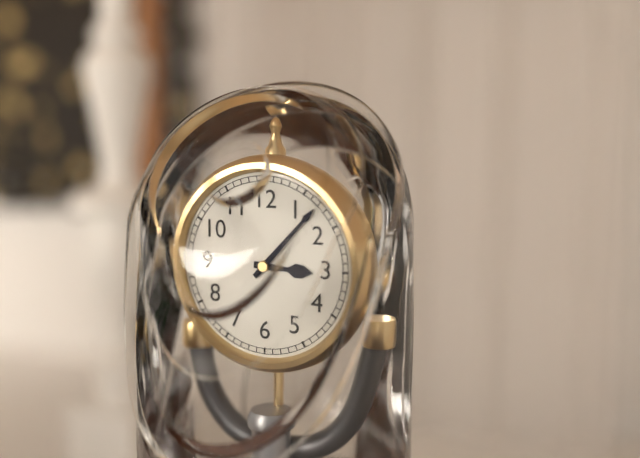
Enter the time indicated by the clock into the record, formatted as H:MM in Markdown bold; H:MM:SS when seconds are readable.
**3:07**
